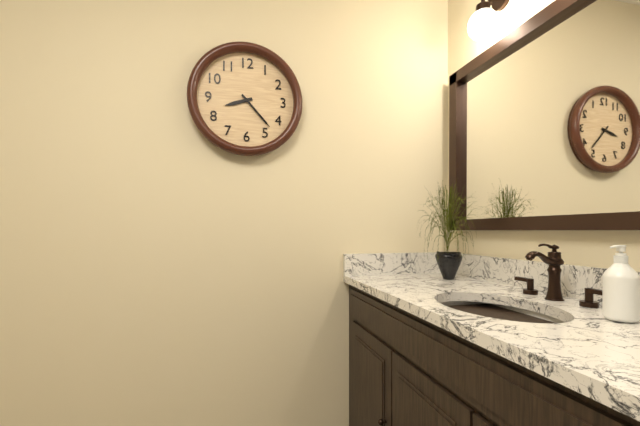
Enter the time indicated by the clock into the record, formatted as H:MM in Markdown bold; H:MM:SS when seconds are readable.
**8:23**
